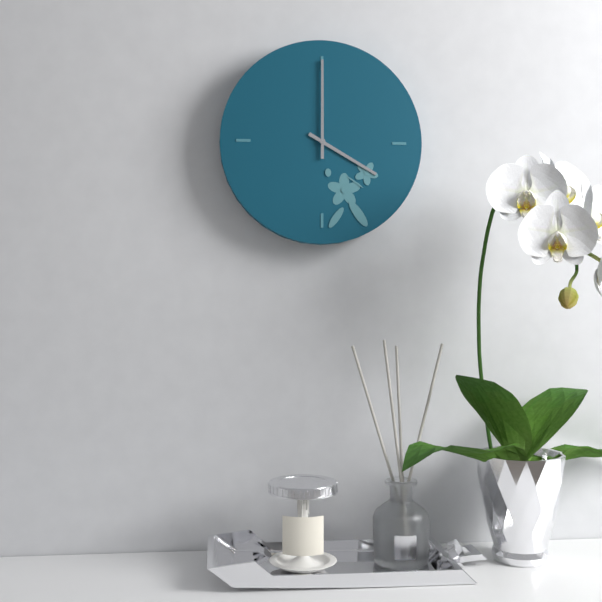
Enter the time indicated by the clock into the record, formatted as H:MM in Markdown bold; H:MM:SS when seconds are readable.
**4:00**
